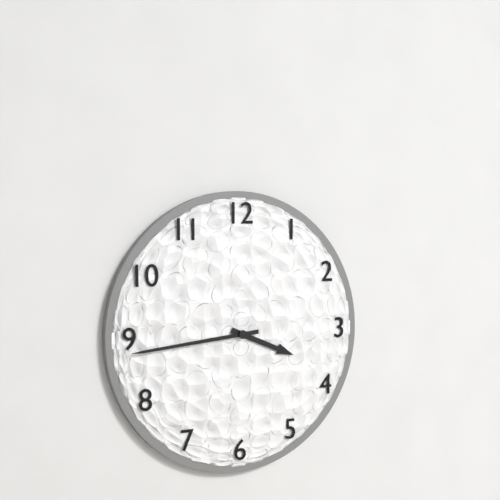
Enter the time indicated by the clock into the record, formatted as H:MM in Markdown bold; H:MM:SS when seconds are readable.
**3:44**
